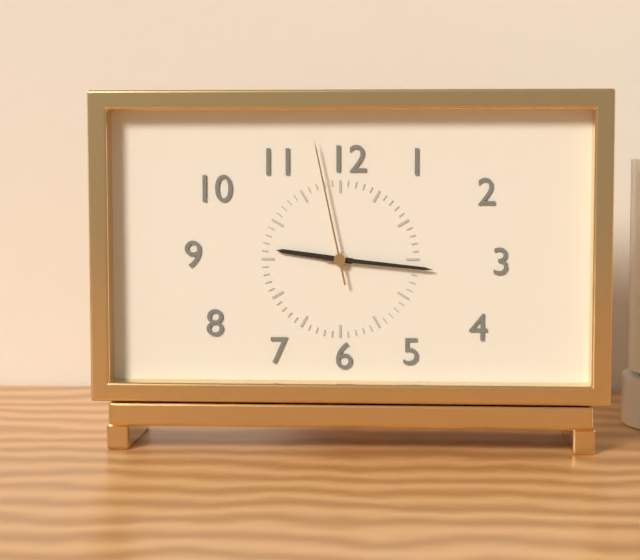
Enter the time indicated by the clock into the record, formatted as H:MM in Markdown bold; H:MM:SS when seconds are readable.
**9:16:58**
